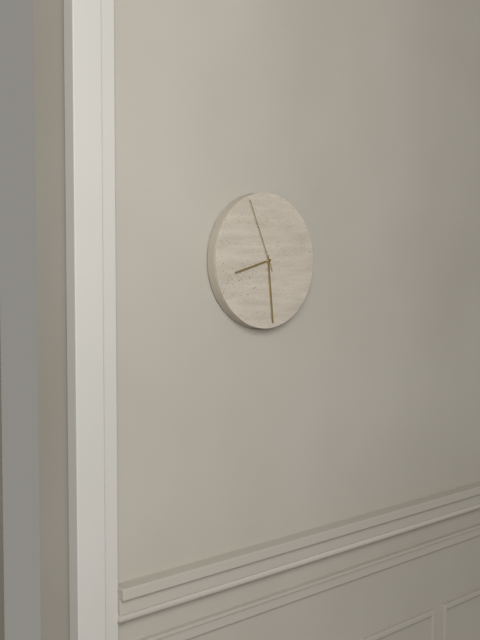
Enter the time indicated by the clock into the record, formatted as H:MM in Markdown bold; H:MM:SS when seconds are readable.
**8:29:56**
